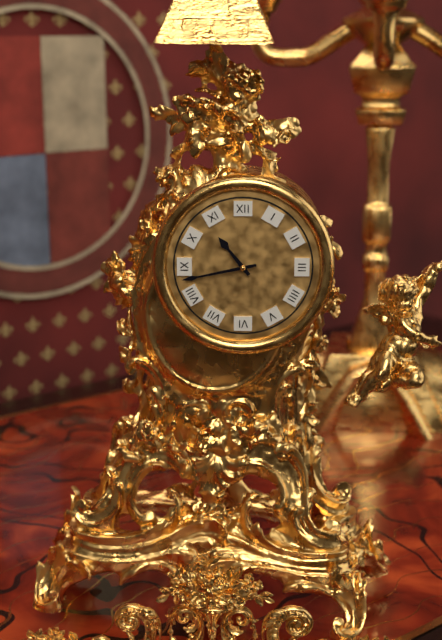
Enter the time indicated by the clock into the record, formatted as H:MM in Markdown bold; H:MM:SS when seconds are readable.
**10:43**
